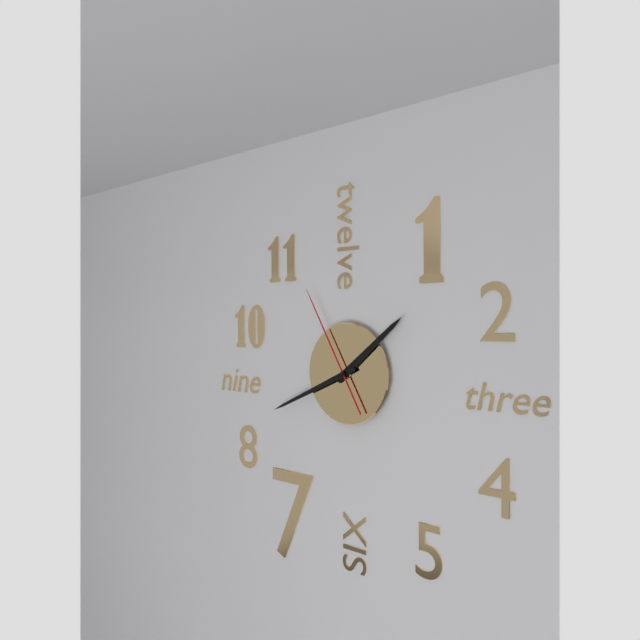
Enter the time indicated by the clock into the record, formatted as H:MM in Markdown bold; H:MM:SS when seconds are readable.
**1:41:55**
